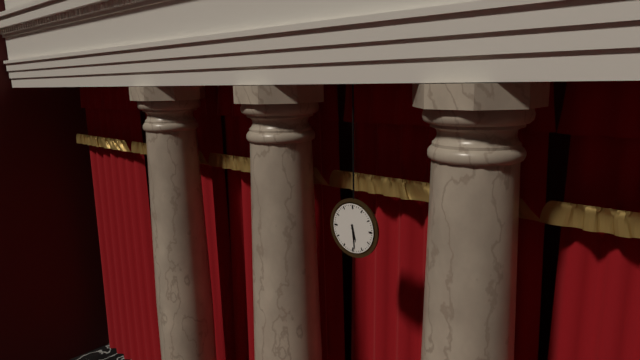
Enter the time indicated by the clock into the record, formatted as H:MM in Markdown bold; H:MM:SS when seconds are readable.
**5:29**
